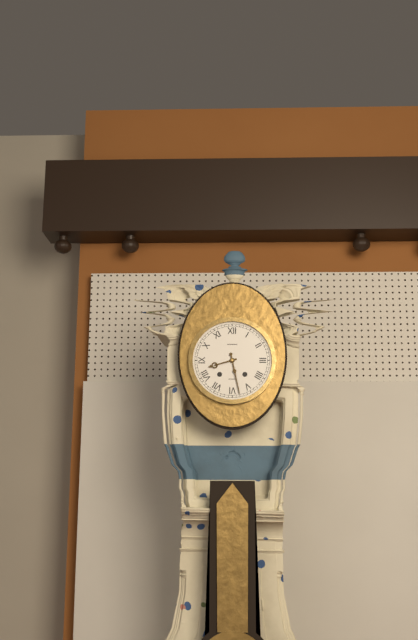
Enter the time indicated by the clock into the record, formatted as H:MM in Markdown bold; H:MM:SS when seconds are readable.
**8:28**
